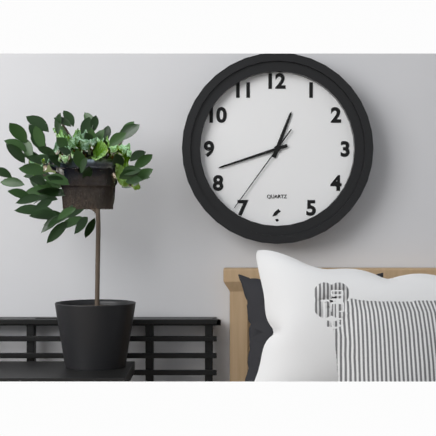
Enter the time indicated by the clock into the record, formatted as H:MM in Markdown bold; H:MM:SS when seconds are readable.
**12:42:36**
